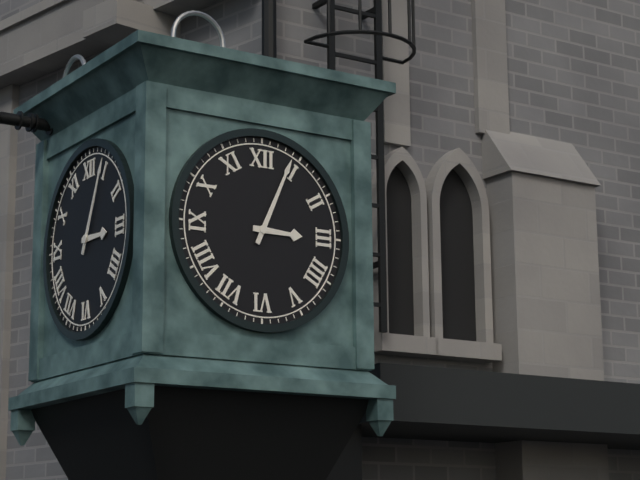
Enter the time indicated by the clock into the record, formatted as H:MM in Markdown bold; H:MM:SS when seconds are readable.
**3:04**
